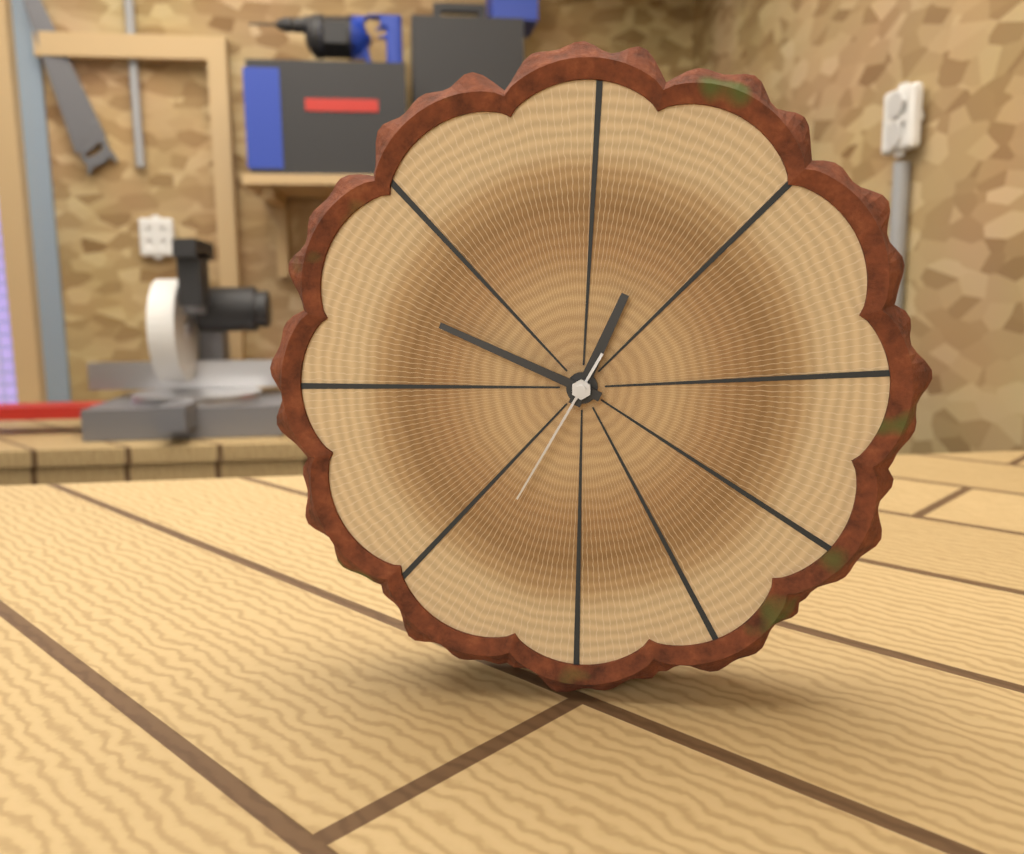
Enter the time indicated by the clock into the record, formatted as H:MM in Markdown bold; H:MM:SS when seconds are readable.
**12:49:35**
